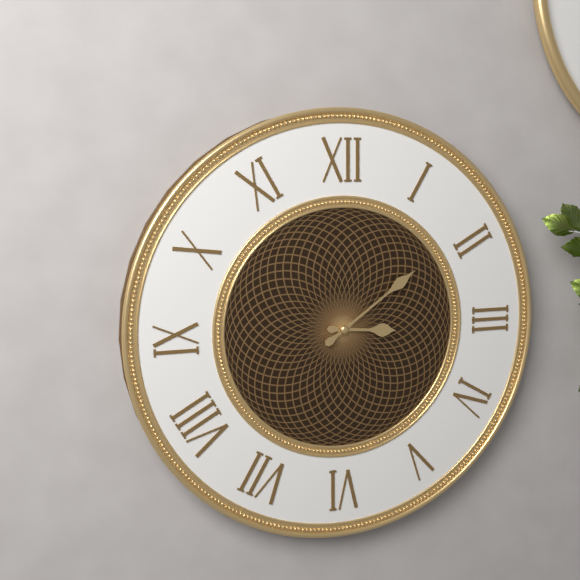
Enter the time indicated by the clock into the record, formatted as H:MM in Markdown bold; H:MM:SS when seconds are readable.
**3:09**
